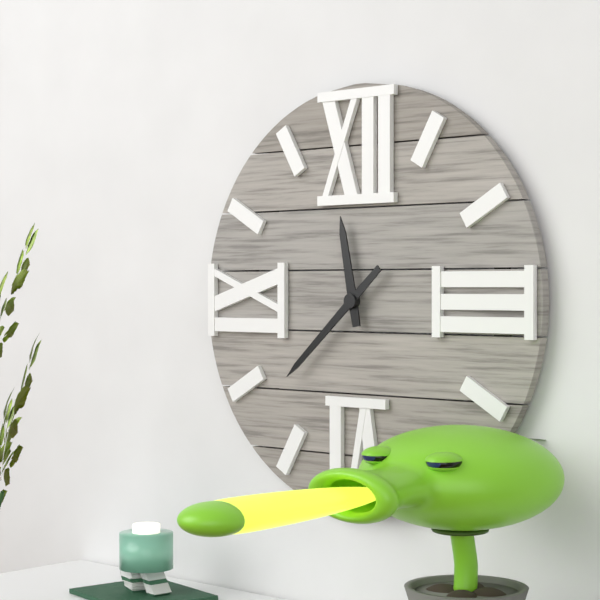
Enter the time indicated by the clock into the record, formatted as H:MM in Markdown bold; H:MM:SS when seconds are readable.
**11:38**
